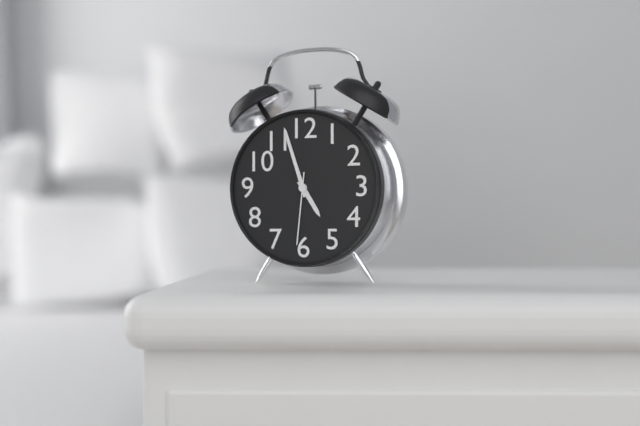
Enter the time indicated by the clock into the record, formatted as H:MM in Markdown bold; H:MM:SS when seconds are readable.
**4:57:31**
